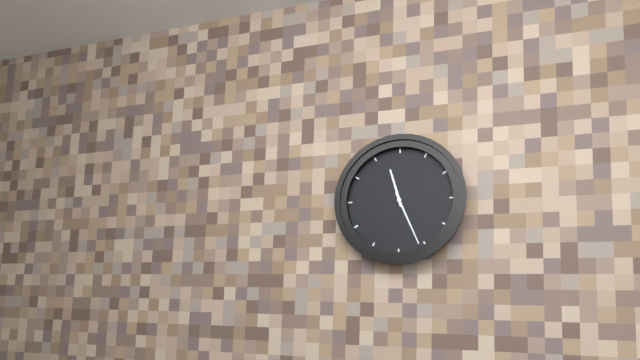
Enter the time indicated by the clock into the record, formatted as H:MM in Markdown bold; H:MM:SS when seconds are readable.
**11:26**
